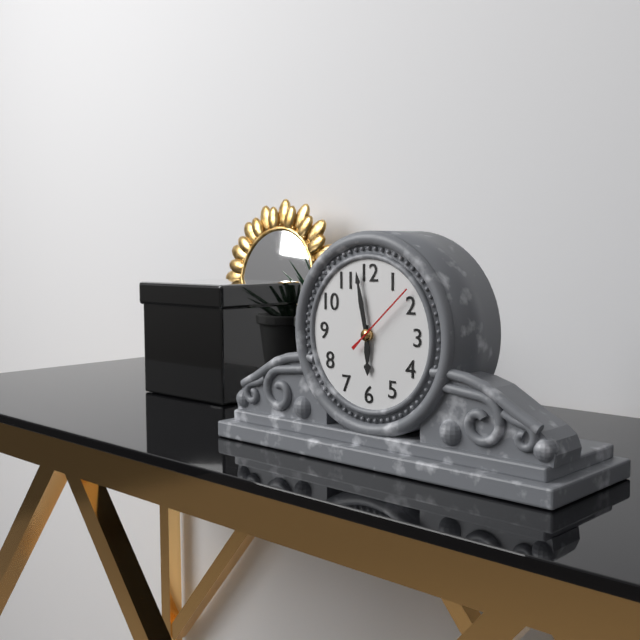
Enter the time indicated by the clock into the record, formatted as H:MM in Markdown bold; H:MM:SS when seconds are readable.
**5:58:08**
